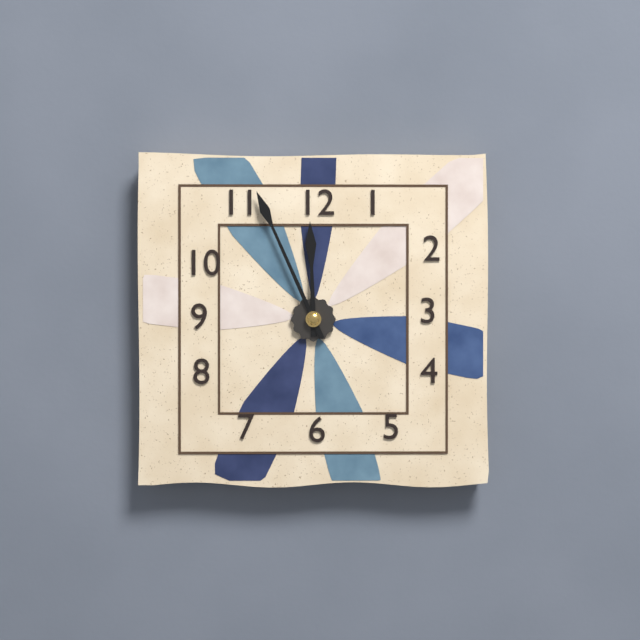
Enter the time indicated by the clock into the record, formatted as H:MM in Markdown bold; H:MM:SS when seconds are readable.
**11:56**
